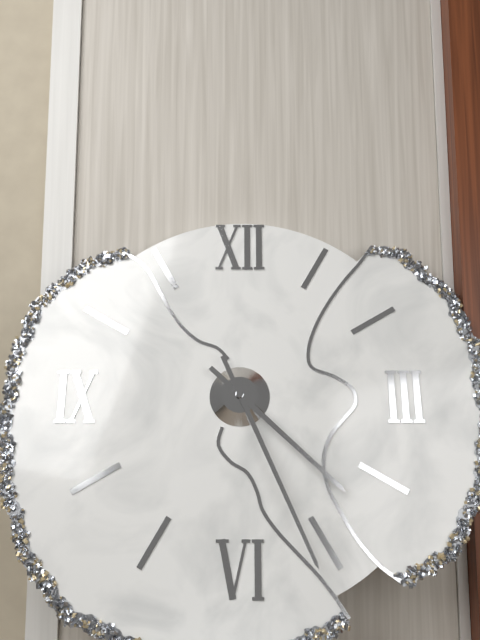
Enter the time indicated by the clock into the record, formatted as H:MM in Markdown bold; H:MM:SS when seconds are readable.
**4:26**
